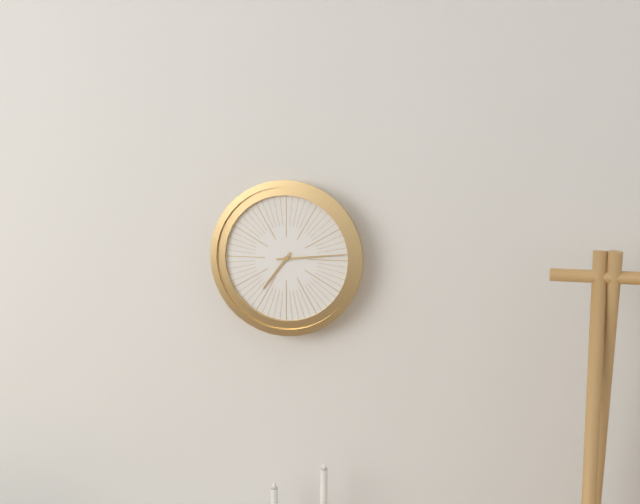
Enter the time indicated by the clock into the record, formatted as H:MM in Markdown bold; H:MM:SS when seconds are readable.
**7:14**
